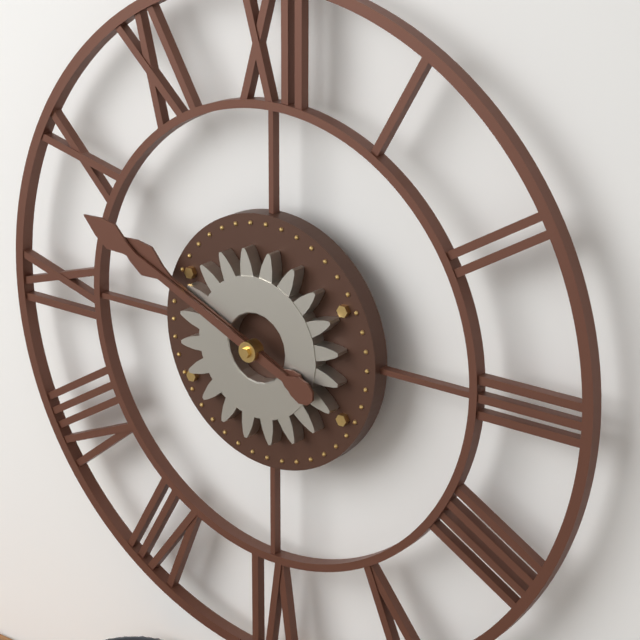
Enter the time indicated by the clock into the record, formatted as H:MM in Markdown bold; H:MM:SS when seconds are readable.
**9:49**
